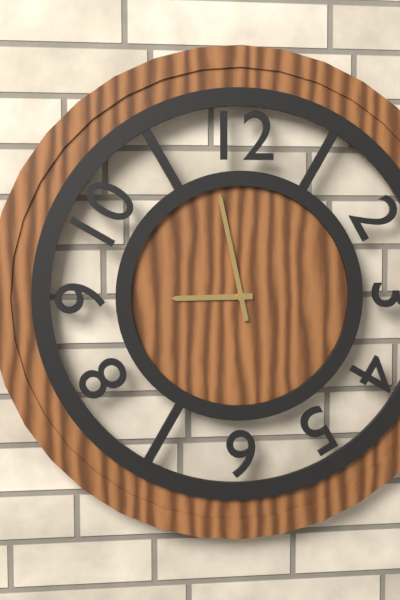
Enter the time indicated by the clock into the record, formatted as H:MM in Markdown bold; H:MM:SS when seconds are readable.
**8:58**
